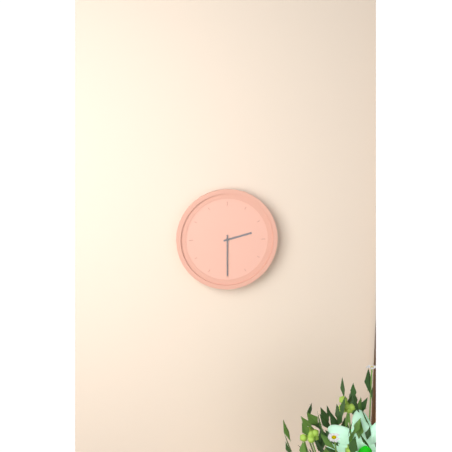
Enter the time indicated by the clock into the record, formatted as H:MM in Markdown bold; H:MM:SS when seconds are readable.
**2:30**
